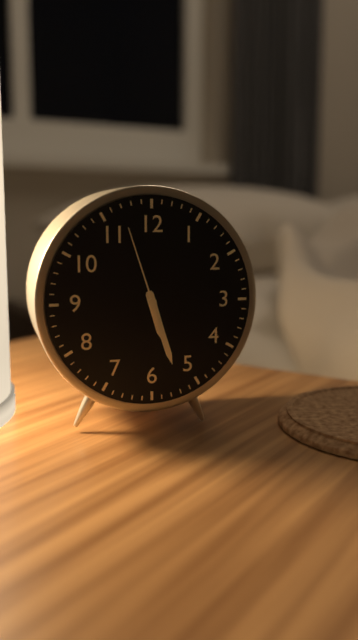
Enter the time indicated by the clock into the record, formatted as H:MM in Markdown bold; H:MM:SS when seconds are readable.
**5:27:57**
